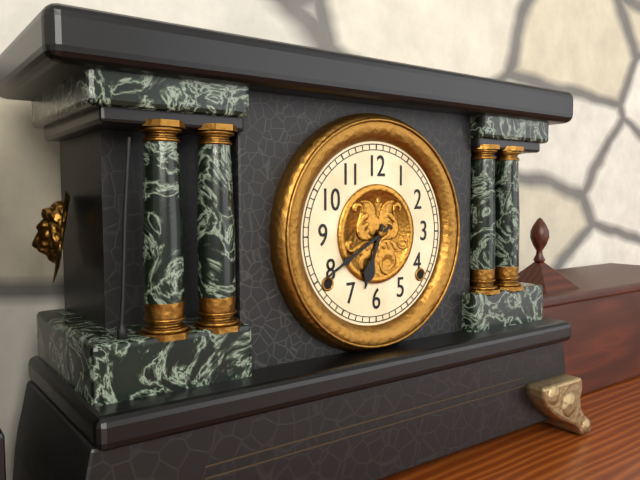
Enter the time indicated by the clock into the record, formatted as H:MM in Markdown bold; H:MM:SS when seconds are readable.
**6:40**
